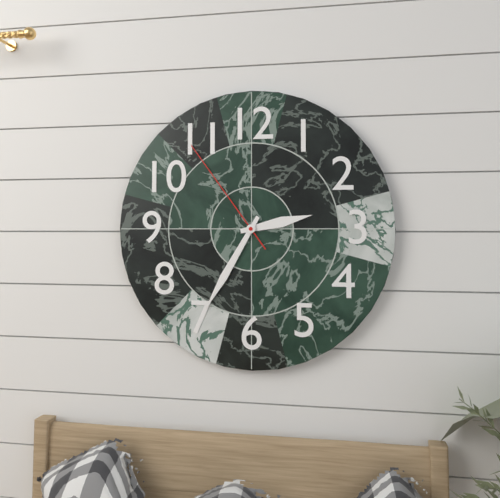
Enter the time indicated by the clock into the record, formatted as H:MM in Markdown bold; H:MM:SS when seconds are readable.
**2:35:54**
